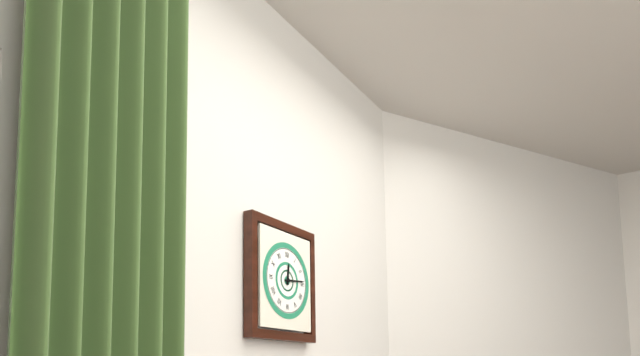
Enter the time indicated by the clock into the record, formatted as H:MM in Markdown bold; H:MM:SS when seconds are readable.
**12:14**
